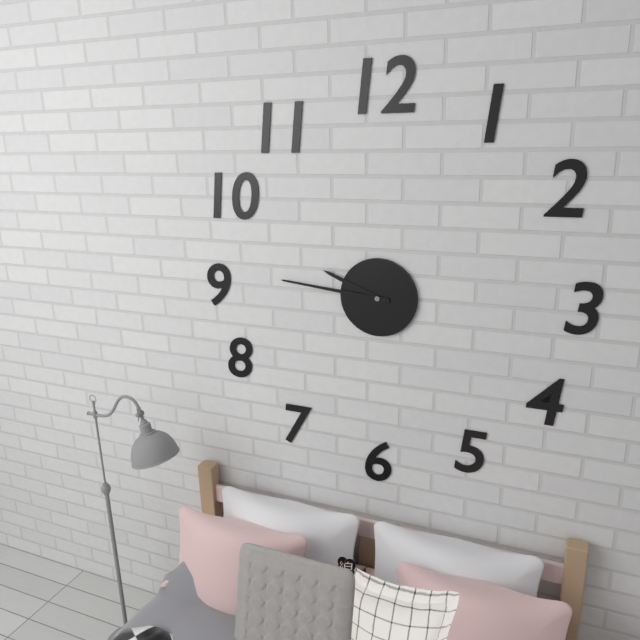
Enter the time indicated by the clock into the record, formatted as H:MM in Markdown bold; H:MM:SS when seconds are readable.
**9:46**
